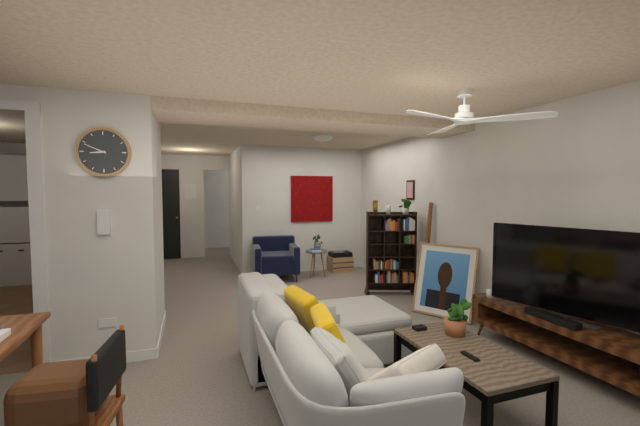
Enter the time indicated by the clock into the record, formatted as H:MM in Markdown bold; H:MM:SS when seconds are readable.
**8:49**
